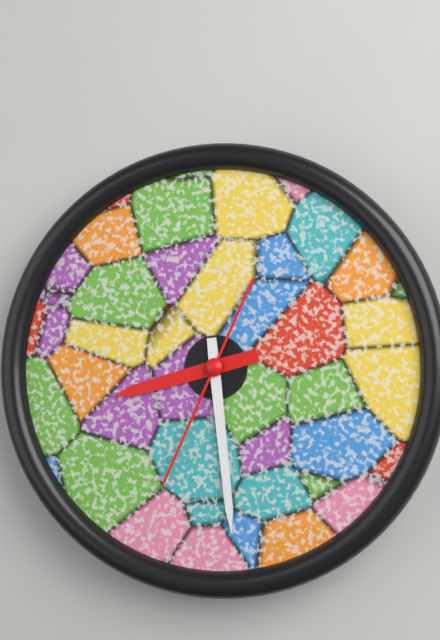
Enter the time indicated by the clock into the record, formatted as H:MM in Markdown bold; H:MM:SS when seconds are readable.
**8:29:34**
